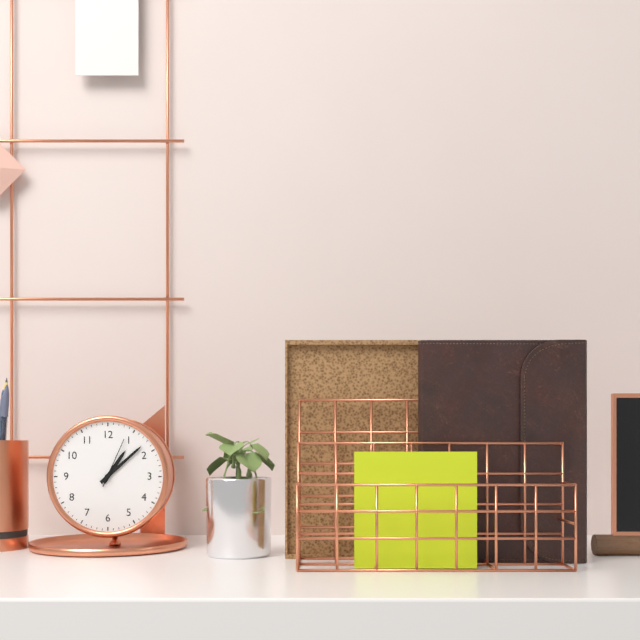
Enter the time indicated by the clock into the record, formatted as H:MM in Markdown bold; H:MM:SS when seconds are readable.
**1:08:04**
